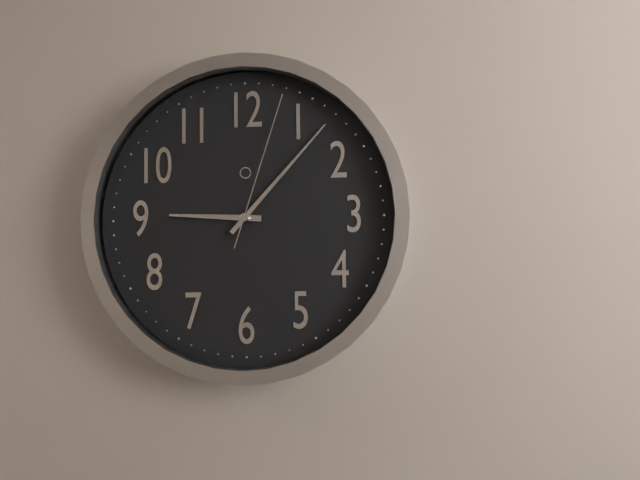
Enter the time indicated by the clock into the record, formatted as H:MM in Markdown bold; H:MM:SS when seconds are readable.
**9:07:03**
